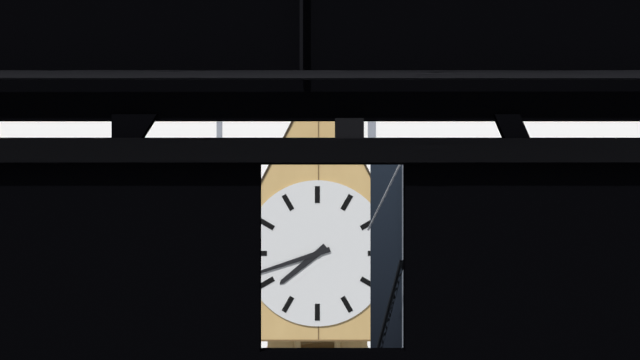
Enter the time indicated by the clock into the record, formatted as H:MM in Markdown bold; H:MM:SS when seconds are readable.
**7:42**
